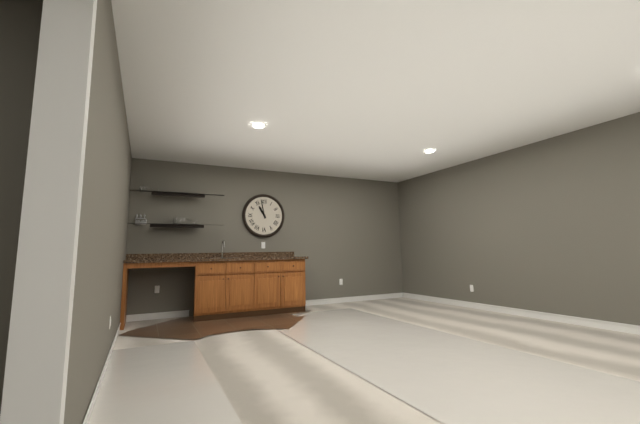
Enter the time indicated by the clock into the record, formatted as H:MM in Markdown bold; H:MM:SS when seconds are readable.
**10:58**
